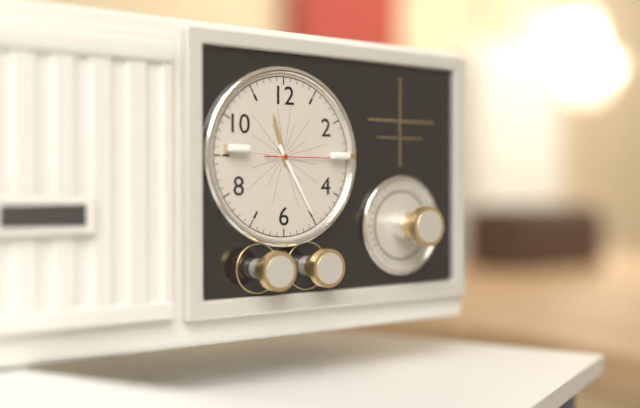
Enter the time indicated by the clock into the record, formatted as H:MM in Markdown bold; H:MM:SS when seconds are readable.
**11:25:15**
